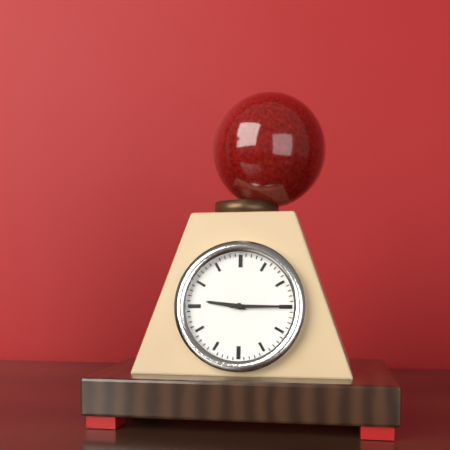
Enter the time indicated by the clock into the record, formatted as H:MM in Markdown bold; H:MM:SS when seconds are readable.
**9:15**
